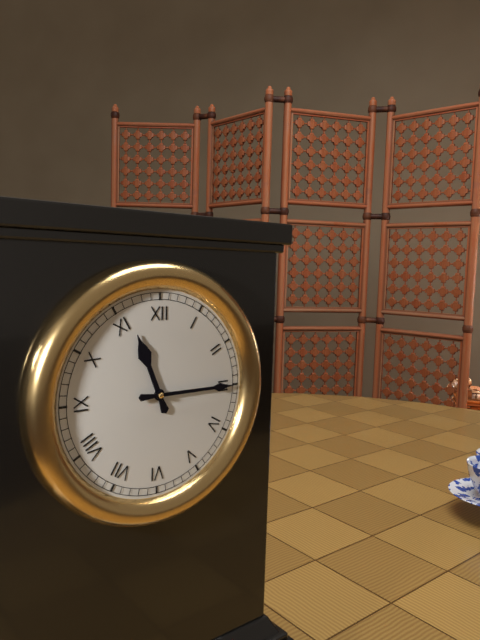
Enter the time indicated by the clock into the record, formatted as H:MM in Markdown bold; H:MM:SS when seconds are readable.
**11:15**
